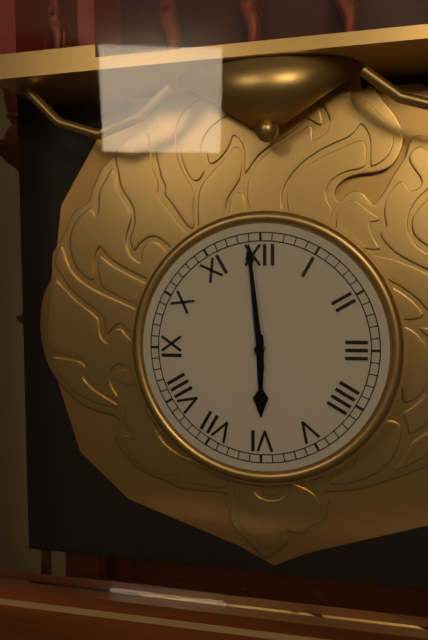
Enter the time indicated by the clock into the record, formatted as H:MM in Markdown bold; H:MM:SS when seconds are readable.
**5:59**
